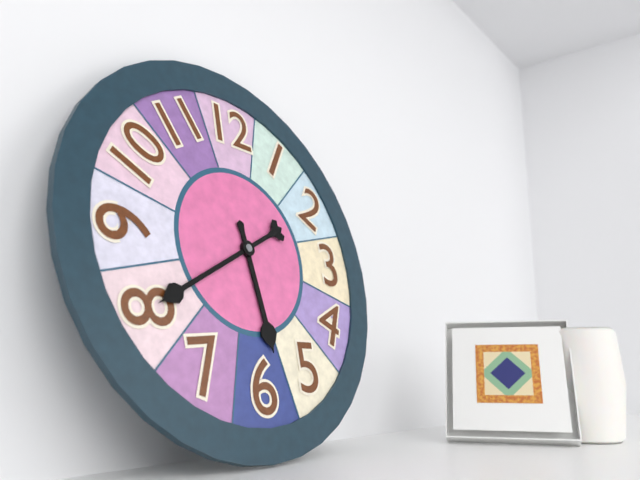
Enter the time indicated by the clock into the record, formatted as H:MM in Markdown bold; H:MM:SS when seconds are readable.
**5:40**
